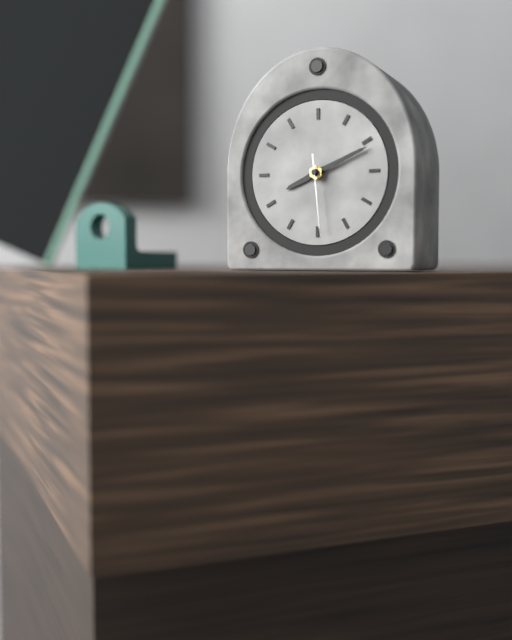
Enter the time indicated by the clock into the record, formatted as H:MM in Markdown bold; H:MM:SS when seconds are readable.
**8:11:29**
